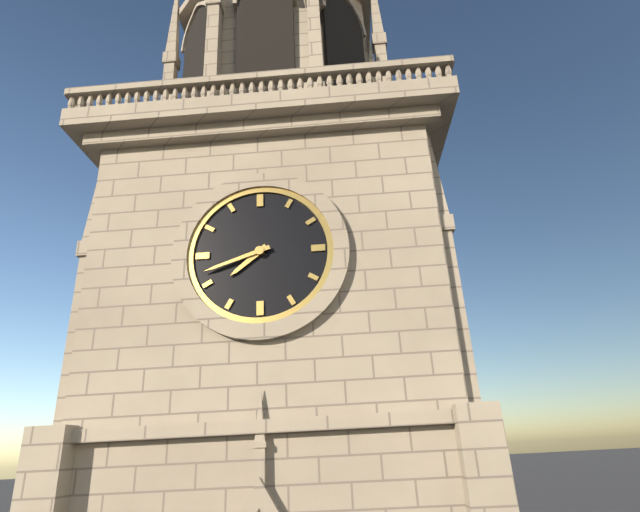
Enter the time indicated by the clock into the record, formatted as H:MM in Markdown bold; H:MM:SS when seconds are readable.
**7:42**
